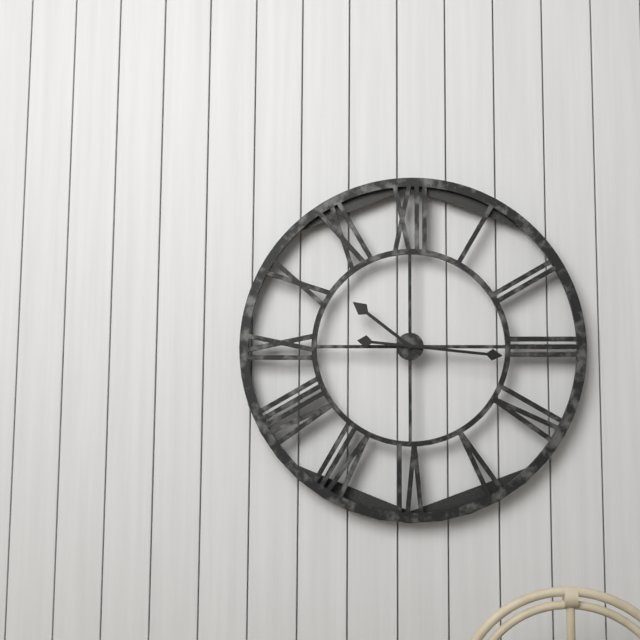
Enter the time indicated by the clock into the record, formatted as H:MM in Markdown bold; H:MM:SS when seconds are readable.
**10:16**
